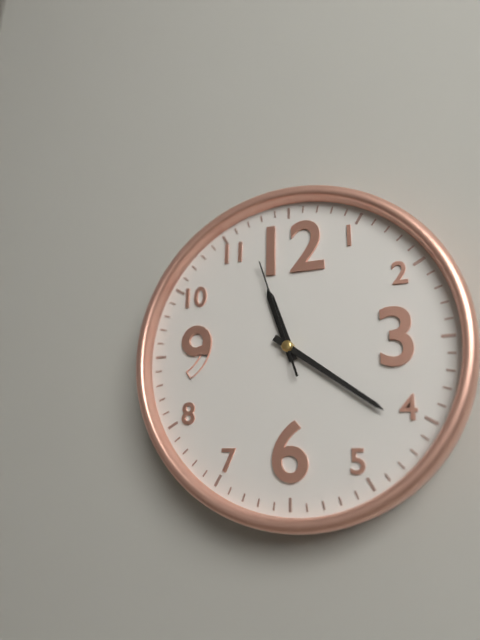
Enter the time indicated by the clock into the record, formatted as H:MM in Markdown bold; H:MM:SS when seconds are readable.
**11:21:57**
